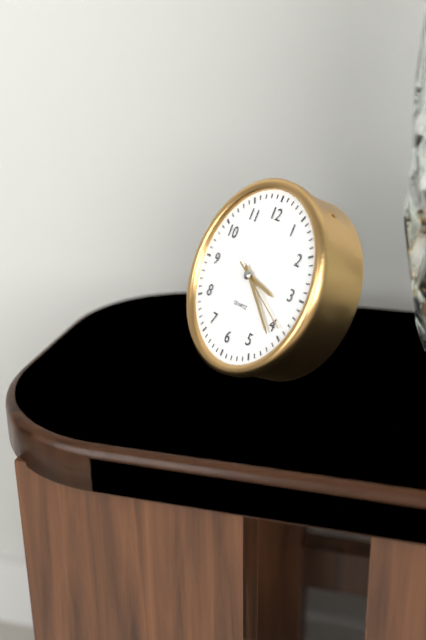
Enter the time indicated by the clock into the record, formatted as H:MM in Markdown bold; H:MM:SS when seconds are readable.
**3:21:19**
